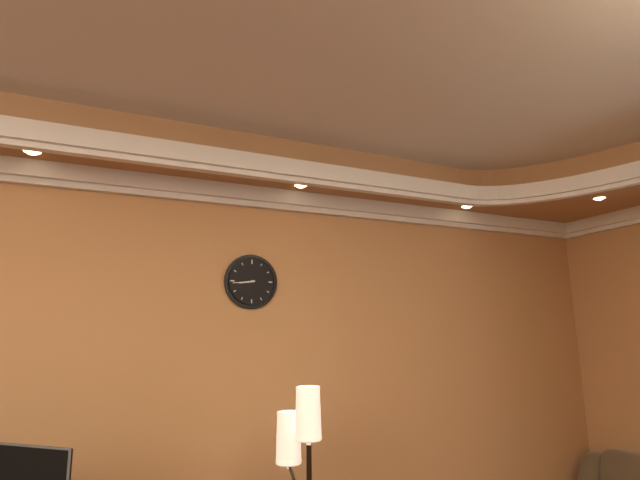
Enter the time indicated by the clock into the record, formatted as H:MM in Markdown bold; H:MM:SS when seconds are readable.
**8:44**
